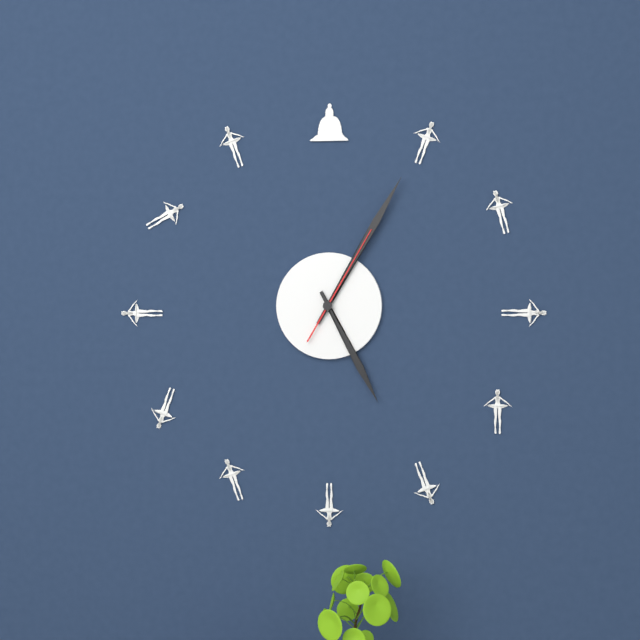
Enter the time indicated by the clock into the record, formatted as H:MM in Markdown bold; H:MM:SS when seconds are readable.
**5:05:05**
